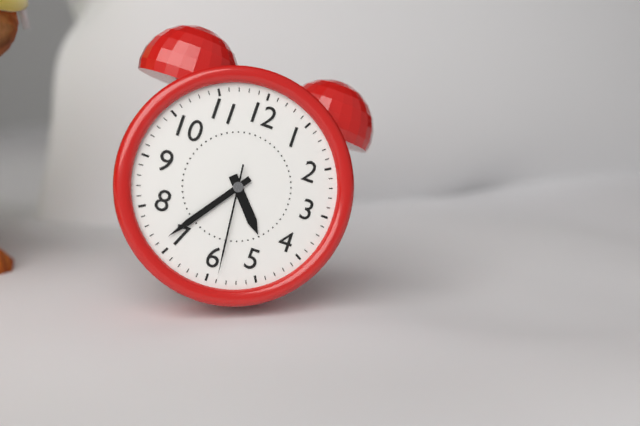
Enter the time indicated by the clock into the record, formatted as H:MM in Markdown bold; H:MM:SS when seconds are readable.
**4:36:29**
